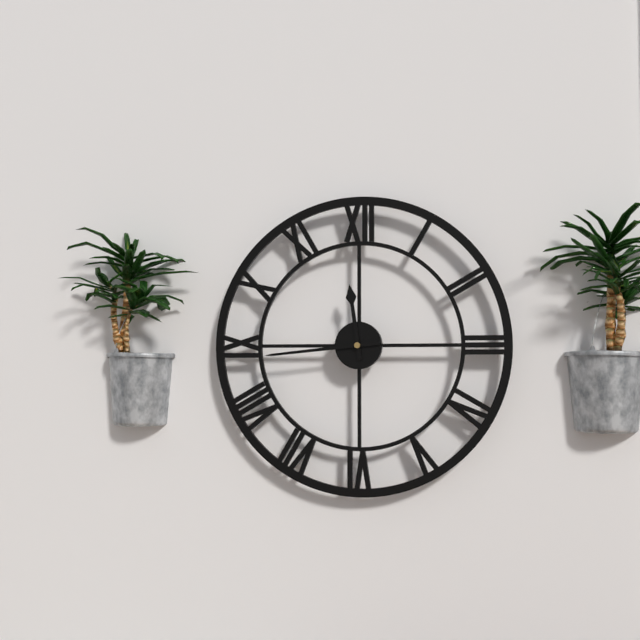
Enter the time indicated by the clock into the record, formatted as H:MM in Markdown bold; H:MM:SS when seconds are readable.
**11:44**
